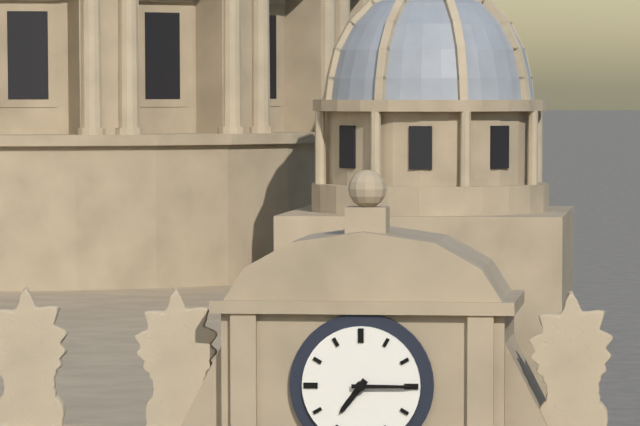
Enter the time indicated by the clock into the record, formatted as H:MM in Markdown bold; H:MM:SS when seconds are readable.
**7:15**
